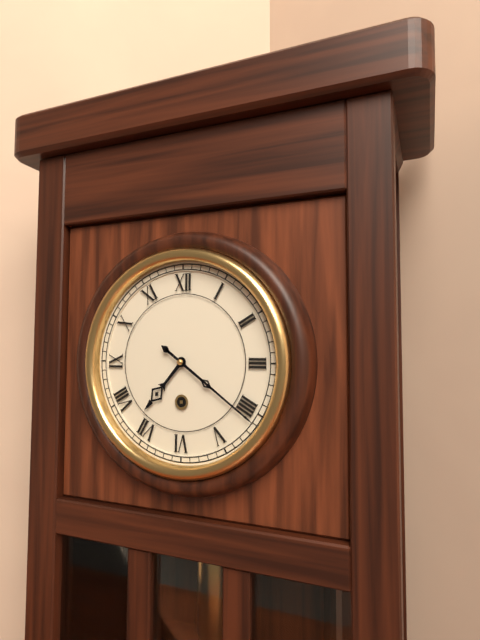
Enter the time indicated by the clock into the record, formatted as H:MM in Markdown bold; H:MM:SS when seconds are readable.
**7:21**
